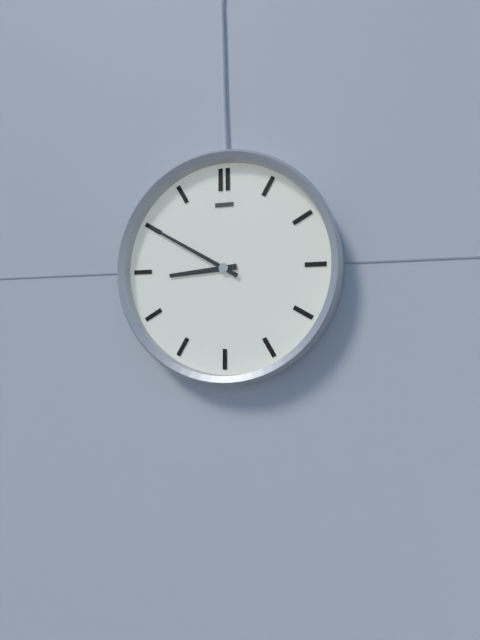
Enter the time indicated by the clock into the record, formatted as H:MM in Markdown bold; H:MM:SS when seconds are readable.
**8:50**
